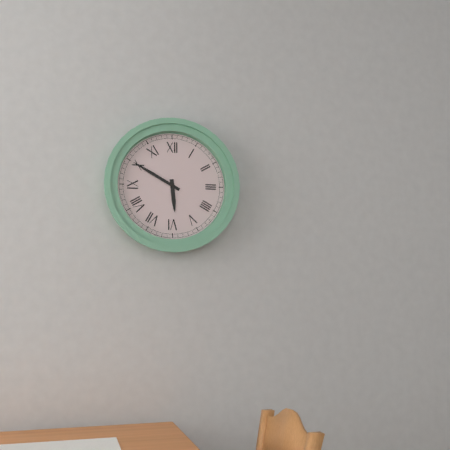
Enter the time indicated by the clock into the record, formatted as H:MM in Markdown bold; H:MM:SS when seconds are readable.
**5:50**
